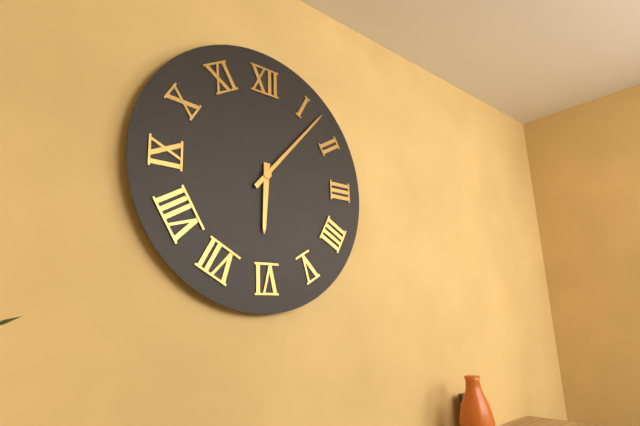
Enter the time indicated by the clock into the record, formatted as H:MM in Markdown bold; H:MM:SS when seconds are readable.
**6:07**
